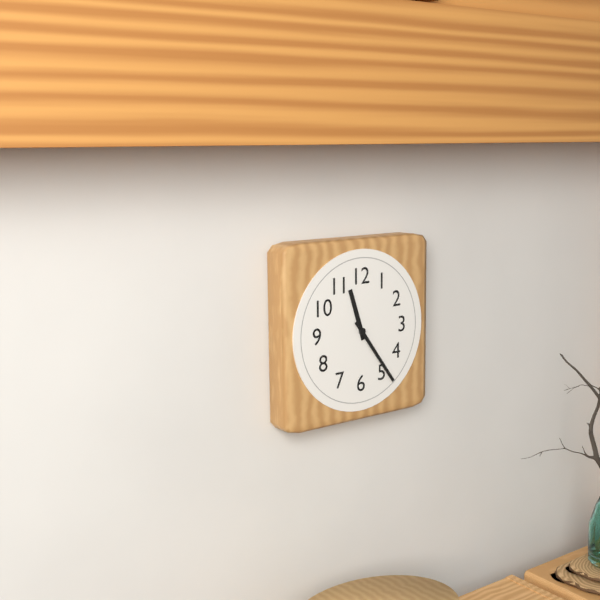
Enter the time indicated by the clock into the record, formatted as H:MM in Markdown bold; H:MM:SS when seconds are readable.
**11:24**
